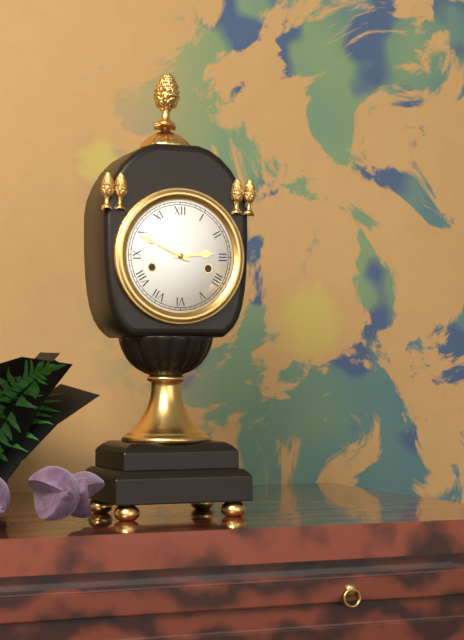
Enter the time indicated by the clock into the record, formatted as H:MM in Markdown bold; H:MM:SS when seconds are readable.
**2:49**
